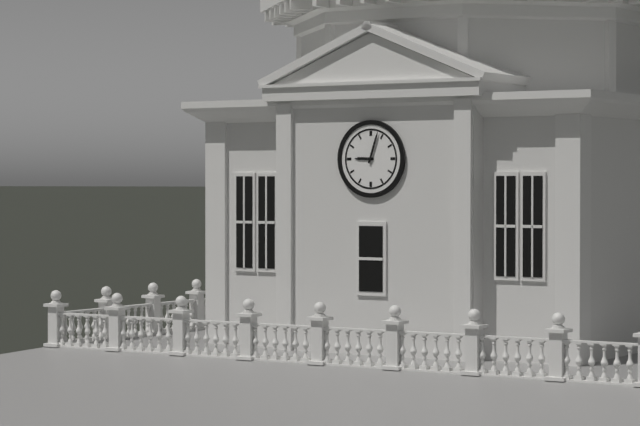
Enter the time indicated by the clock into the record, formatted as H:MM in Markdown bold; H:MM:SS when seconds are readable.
**9:03**
